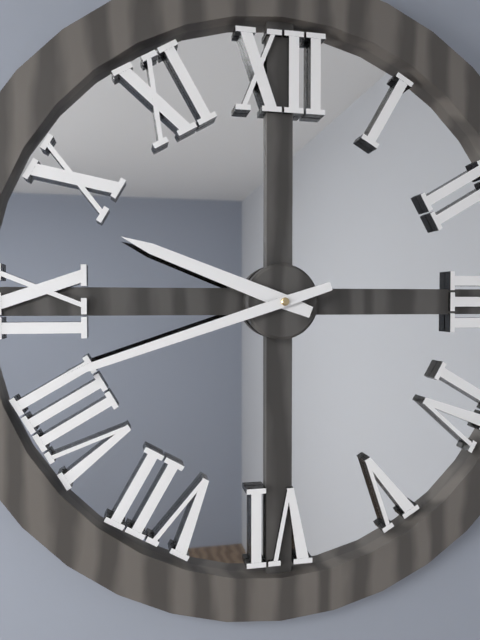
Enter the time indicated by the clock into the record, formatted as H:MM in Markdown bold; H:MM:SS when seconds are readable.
**9:42**
